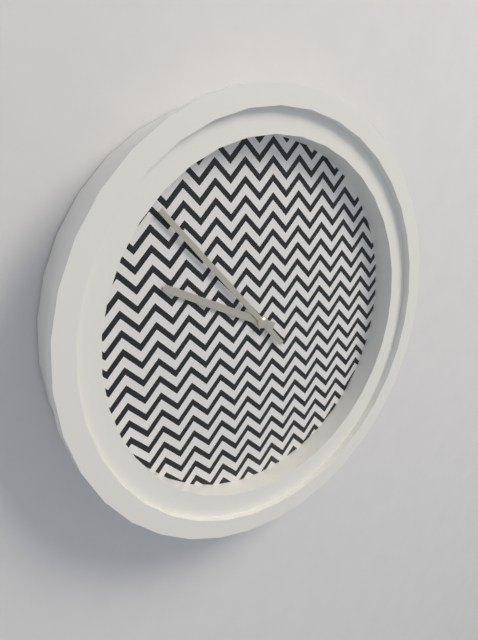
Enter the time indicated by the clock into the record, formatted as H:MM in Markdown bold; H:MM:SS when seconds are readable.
**9:53**
